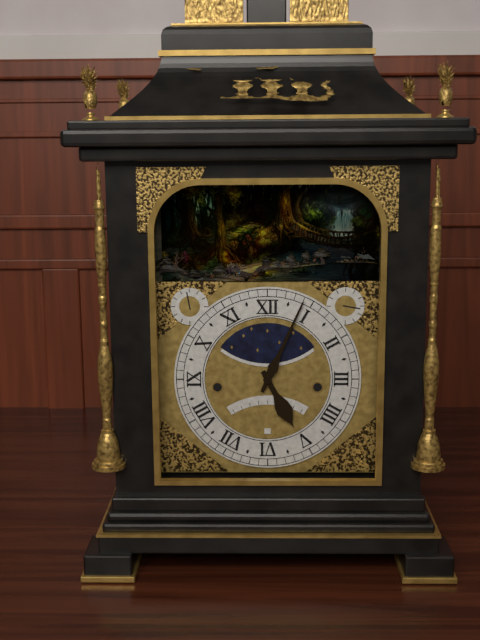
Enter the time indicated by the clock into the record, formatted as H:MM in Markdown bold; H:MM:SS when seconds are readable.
**5:04**
